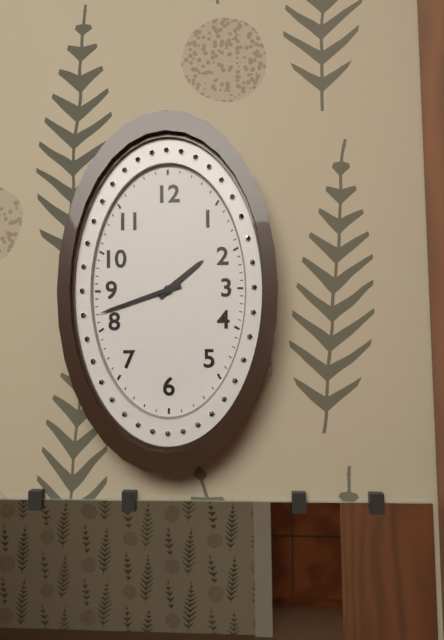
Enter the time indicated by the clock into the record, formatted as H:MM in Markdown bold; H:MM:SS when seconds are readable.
**1:42**
